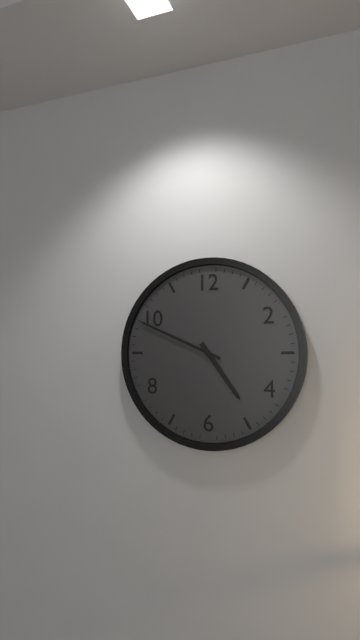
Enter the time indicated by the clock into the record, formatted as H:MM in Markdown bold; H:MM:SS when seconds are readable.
**4:49**
